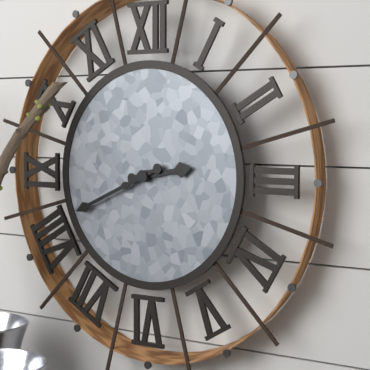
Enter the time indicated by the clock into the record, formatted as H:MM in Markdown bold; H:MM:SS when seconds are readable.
**2:41**
